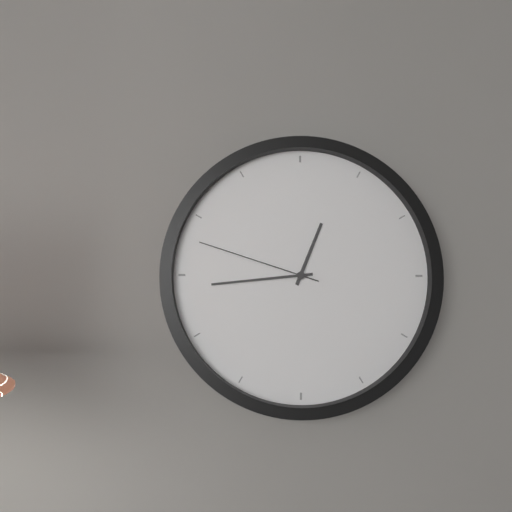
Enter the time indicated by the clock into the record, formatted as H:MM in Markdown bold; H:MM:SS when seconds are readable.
**12:44:48**
